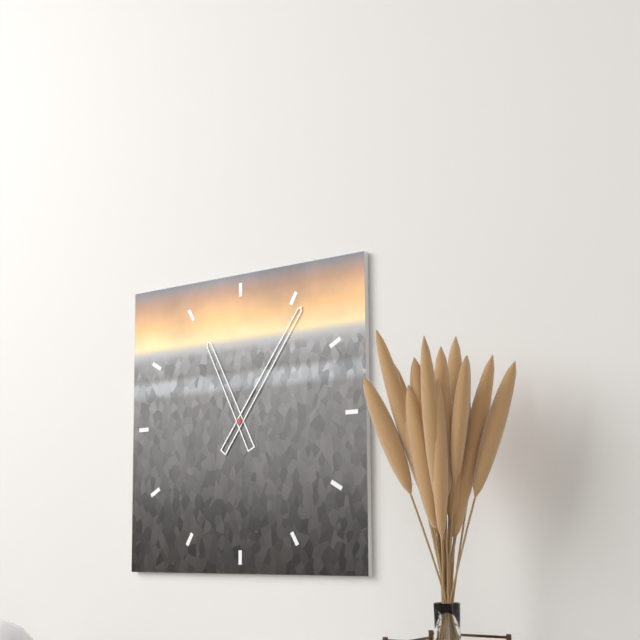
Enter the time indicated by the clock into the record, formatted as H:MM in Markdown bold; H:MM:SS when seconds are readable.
**11:06**
